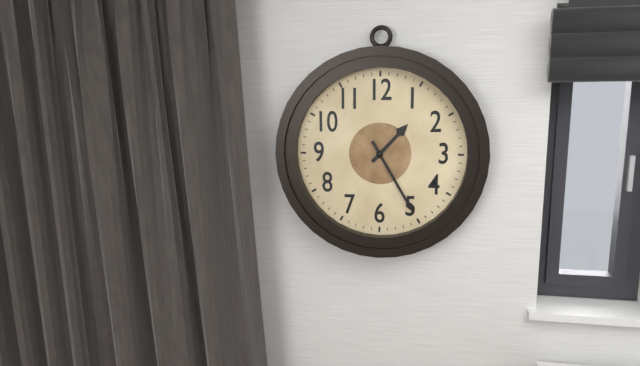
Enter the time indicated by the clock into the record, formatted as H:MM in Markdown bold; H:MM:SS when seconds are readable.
**1:25**
